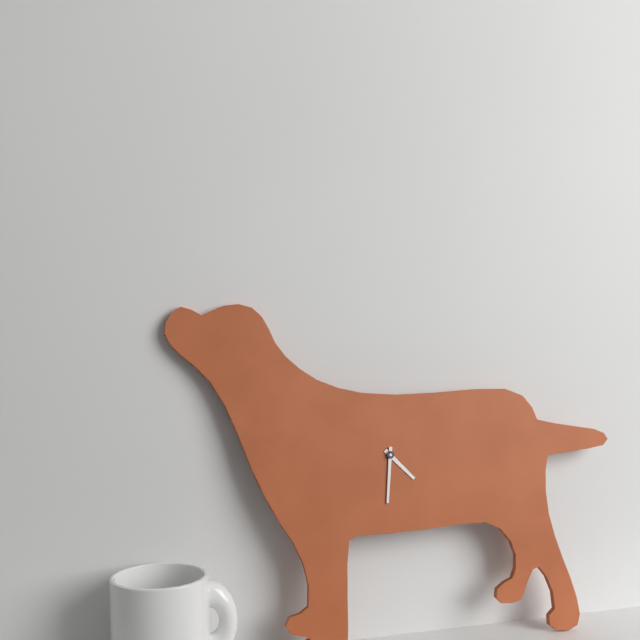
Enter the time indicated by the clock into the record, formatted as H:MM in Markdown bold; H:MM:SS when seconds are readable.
**4:31**
